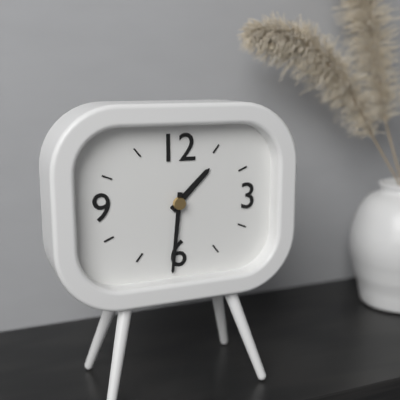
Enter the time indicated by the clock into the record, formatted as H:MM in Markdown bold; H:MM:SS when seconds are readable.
**1:31**
